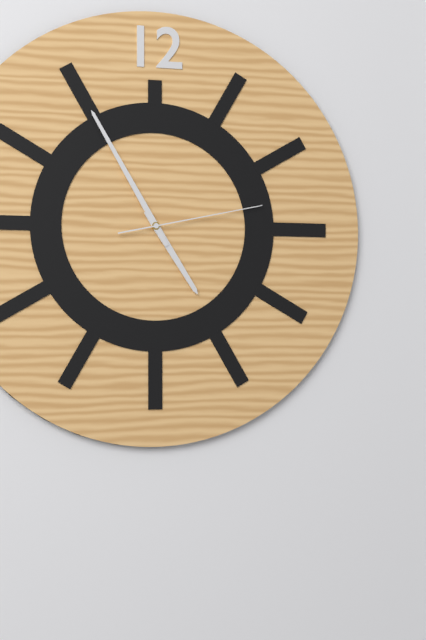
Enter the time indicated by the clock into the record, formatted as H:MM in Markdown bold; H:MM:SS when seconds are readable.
**4:55:13**
